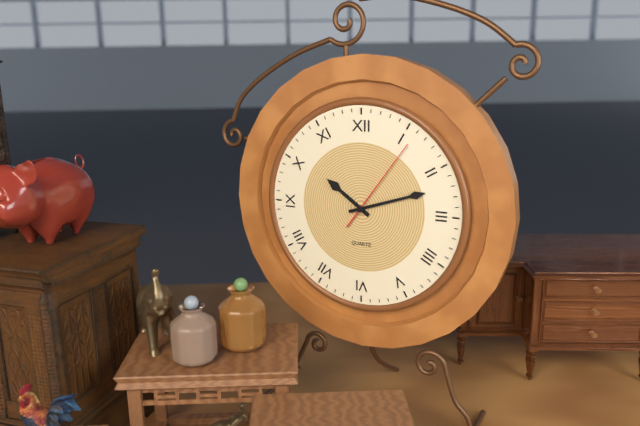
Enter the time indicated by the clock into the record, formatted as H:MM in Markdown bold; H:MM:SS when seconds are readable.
**10:12:06**
